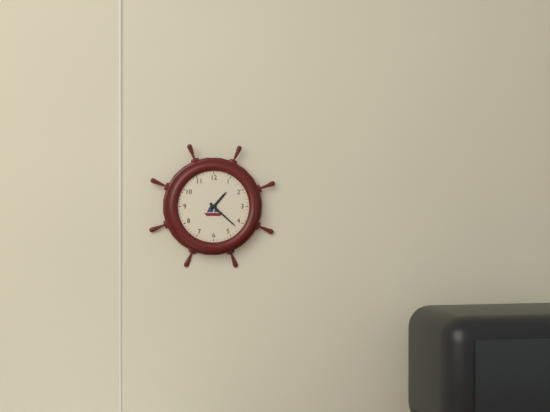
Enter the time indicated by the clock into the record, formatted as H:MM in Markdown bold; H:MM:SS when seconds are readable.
**1:22**
